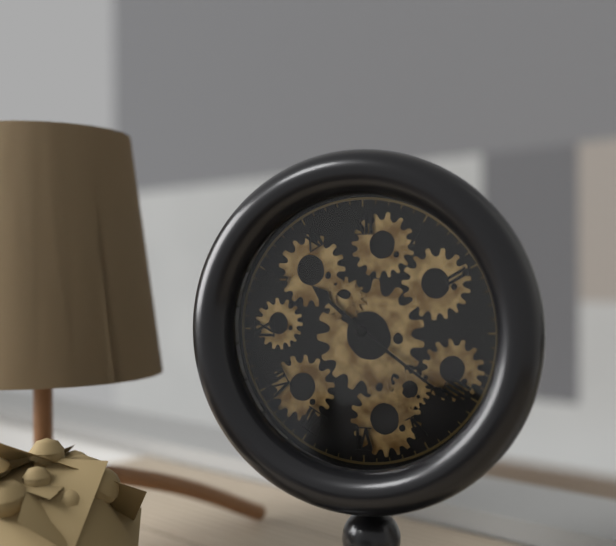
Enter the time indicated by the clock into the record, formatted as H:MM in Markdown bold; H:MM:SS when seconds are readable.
**10:21**
